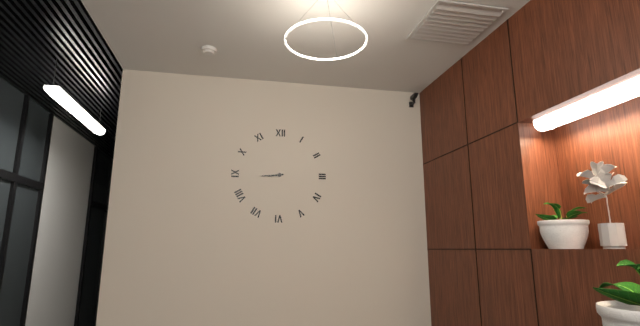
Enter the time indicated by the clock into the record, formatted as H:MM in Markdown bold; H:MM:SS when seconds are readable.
**8:44**
